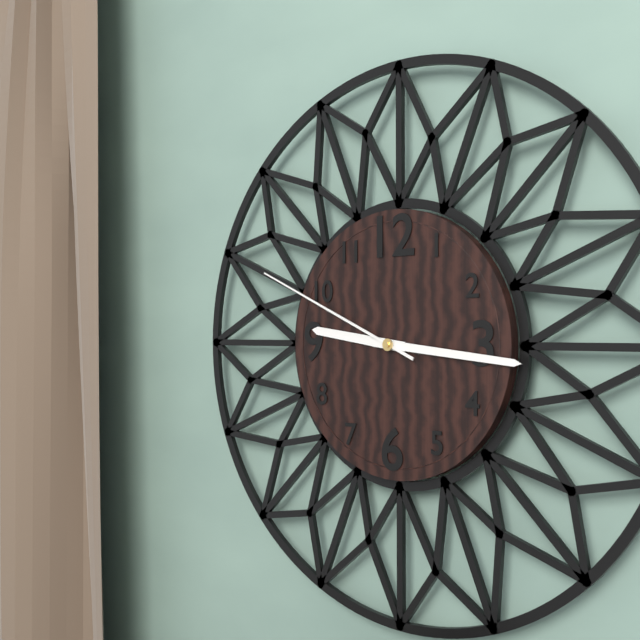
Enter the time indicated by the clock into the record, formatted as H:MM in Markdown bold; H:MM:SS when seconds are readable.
**9:16:49**
